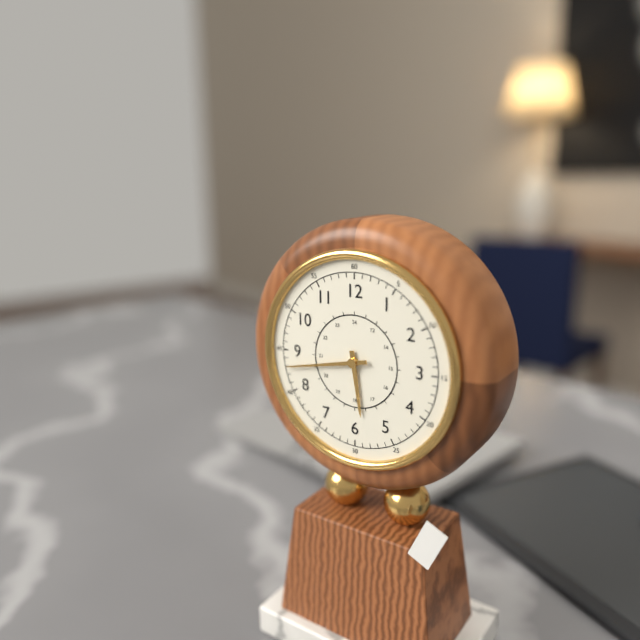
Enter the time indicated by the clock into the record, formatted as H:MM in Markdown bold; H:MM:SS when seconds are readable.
**5:43**
